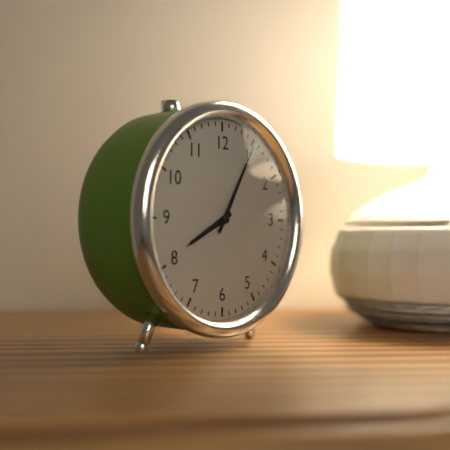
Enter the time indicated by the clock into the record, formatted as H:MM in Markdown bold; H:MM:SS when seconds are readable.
**8:05**
